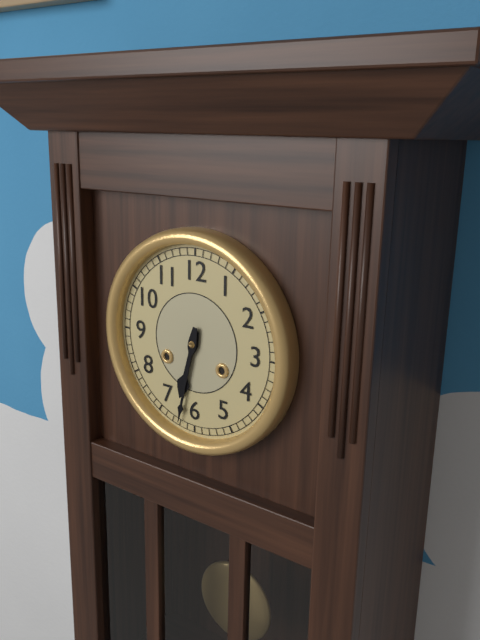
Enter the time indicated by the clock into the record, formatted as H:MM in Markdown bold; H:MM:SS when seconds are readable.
**6:32**
